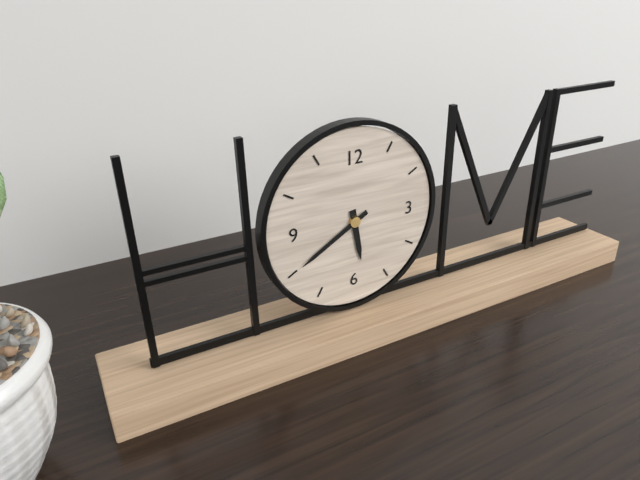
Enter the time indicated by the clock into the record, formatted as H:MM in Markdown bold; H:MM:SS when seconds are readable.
**5:40**
